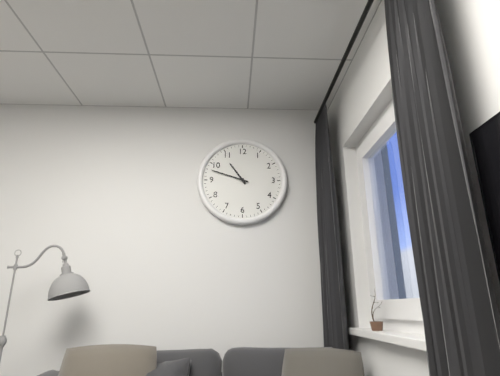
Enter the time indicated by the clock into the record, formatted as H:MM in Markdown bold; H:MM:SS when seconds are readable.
**10:48**
